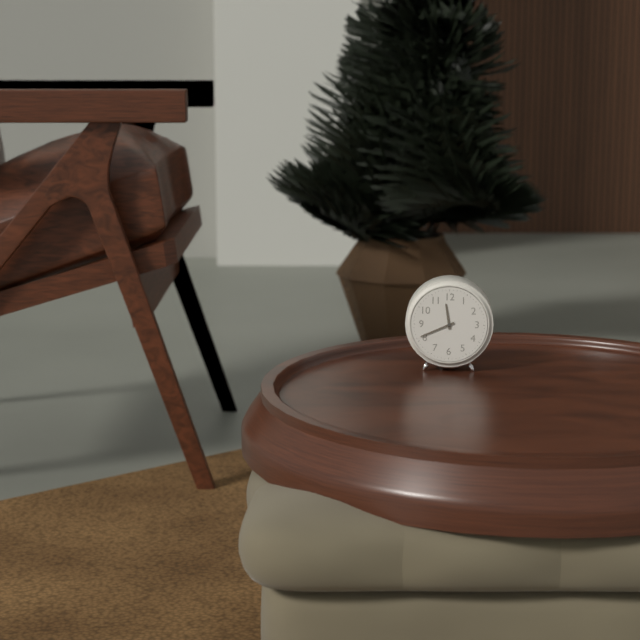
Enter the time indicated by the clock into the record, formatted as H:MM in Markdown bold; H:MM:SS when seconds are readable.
**11:41**
